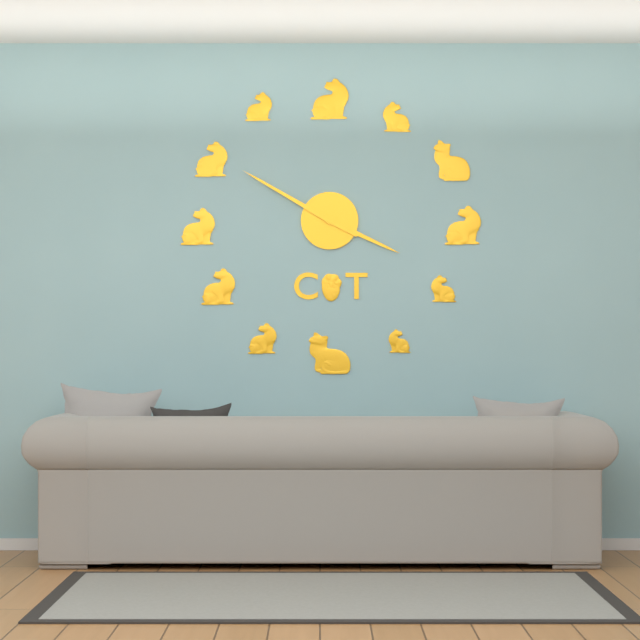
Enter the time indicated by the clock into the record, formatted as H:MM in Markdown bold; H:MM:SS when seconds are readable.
**3:50**
